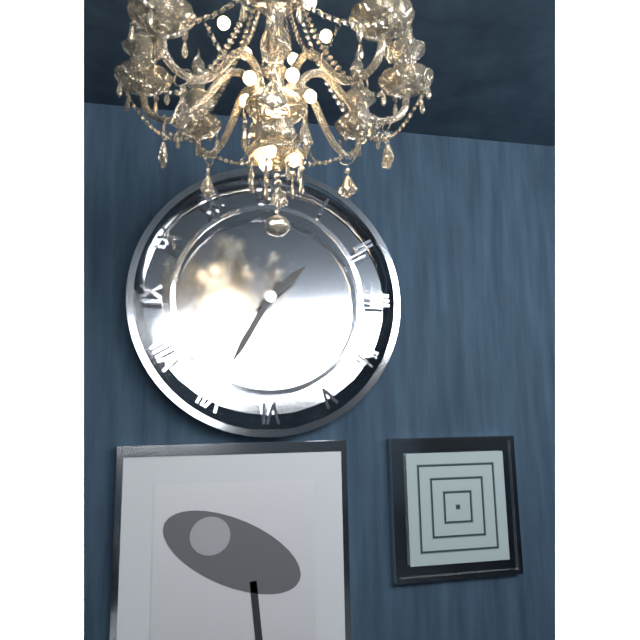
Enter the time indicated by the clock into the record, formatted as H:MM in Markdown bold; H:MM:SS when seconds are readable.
**1:35**
